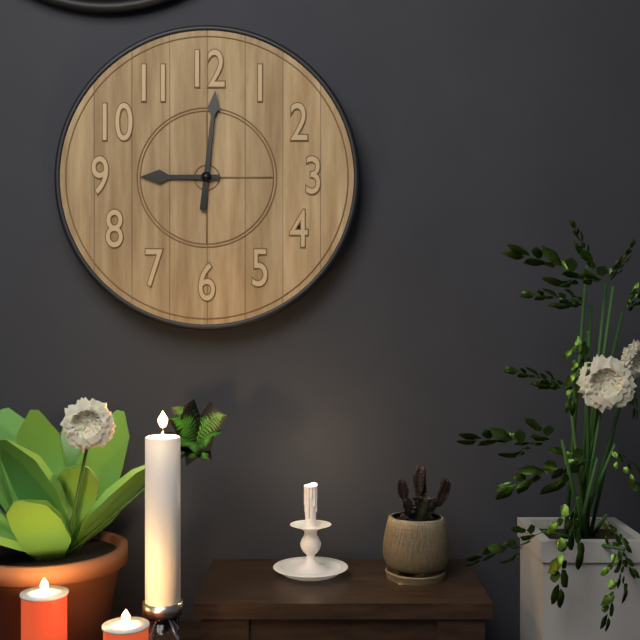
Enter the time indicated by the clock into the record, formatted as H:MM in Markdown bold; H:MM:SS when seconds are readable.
**9:01**
